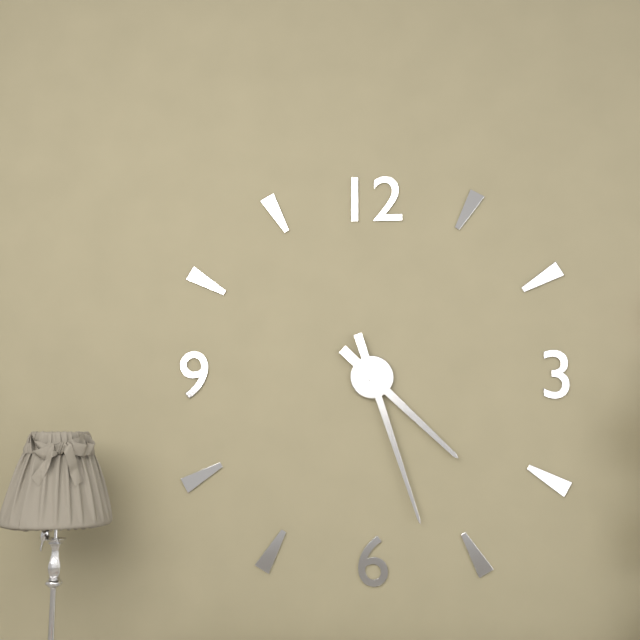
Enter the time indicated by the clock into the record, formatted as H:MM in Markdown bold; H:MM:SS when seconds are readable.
**4:27**
